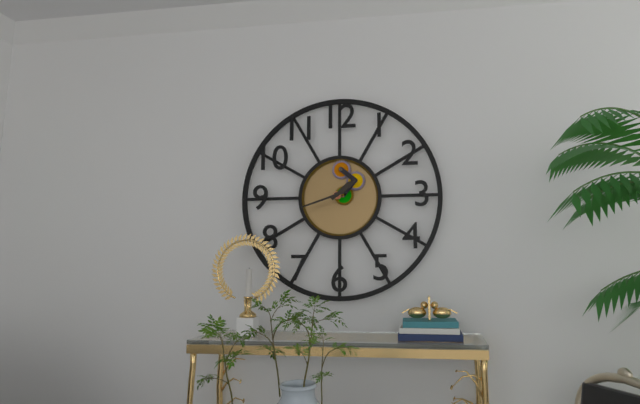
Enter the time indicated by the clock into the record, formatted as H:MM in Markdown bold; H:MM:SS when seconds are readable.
**1:42**
